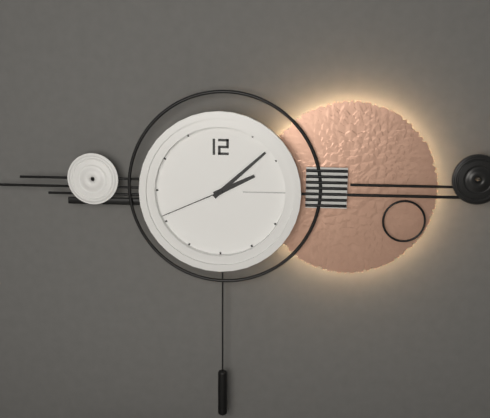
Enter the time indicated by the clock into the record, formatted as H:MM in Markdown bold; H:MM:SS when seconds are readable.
**2:08:41**
